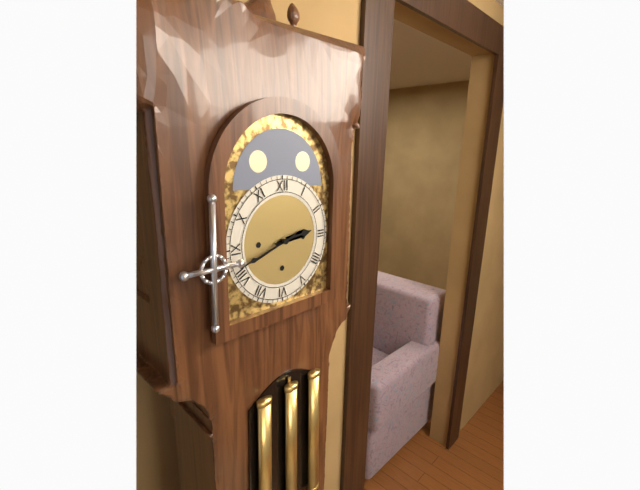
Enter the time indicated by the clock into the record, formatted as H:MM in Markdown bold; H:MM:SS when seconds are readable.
**2:42**
